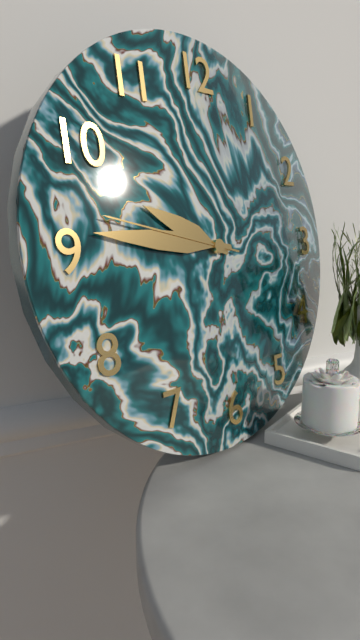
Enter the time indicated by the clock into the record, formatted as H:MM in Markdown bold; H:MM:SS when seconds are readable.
**9:46:47**
